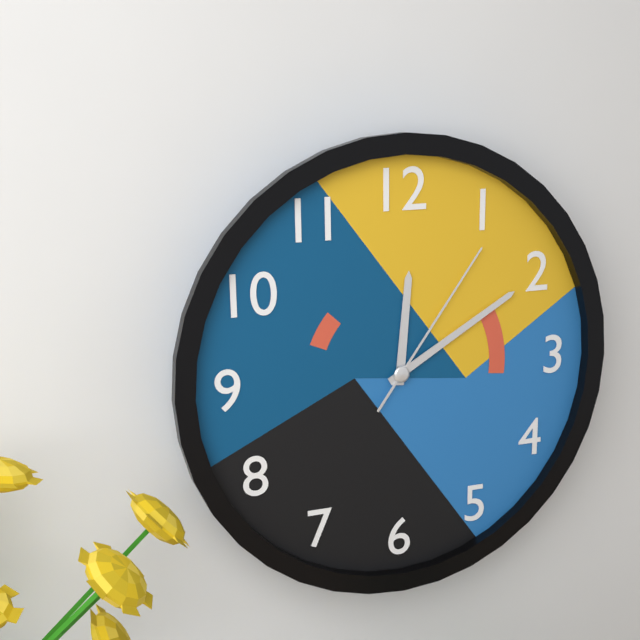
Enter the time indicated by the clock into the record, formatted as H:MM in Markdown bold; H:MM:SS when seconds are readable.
**12:10:06**
